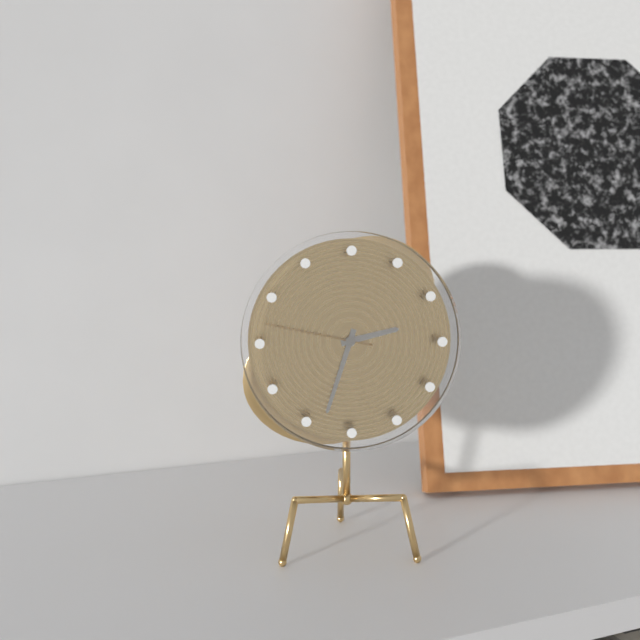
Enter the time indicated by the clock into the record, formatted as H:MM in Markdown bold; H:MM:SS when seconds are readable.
**2:33:47**
